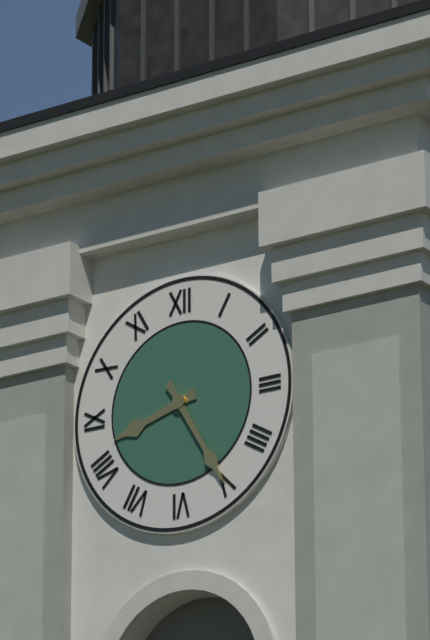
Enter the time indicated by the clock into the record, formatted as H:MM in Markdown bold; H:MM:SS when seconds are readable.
**8:25**
